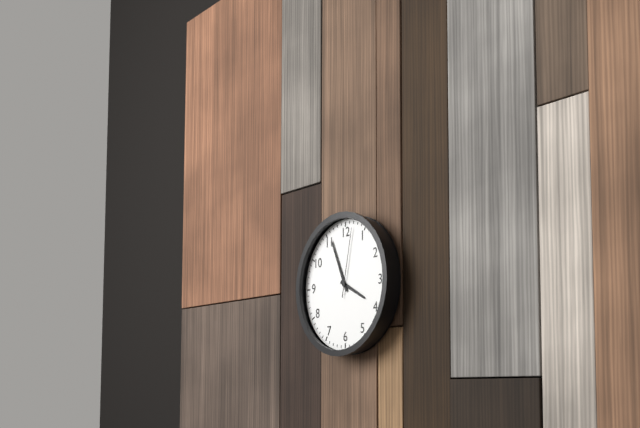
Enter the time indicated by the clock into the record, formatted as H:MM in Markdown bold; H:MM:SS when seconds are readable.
**3:56:02**
